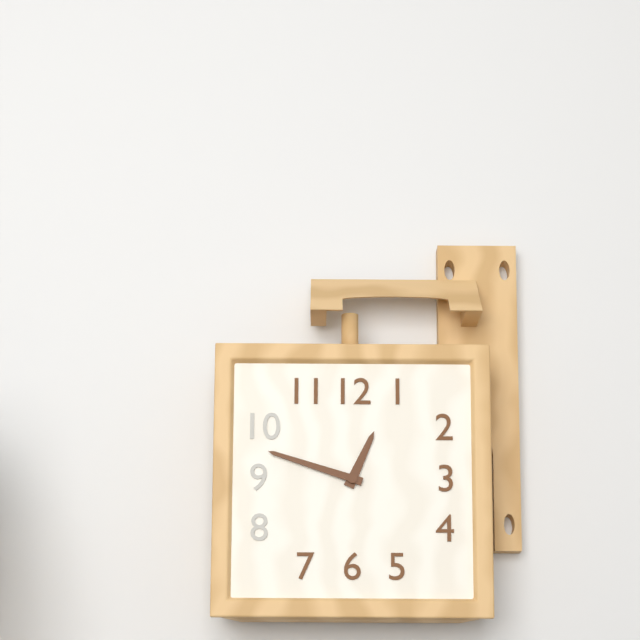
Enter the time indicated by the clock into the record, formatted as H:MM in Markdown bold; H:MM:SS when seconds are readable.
**12:48**
